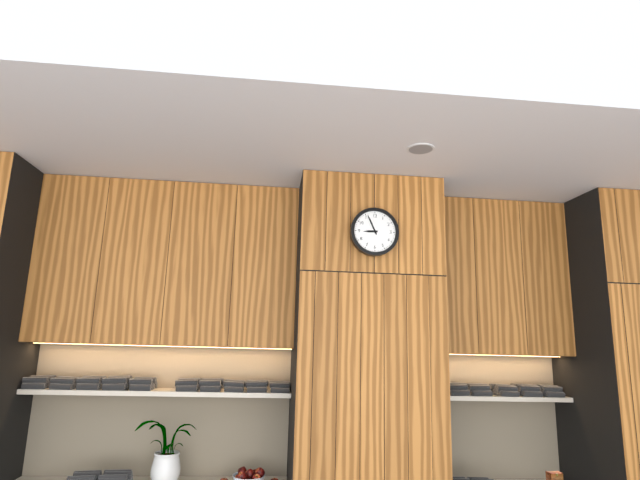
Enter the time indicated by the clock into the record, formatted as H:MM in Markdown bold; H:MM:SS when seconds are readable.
**8:56**
